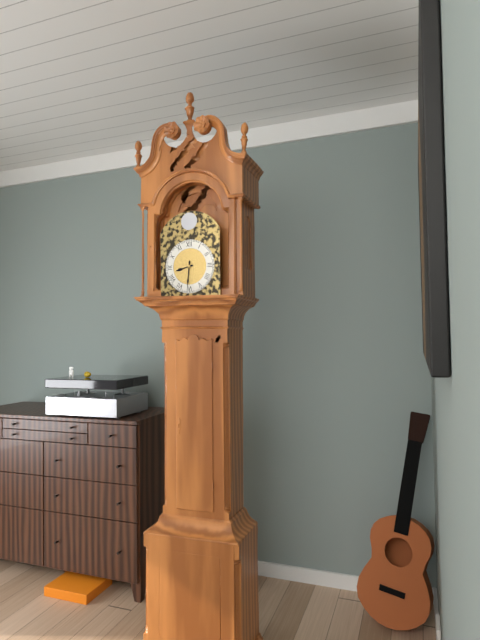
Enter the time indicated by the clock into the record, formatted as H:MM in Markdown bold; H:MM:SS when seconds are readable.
**8:31**
